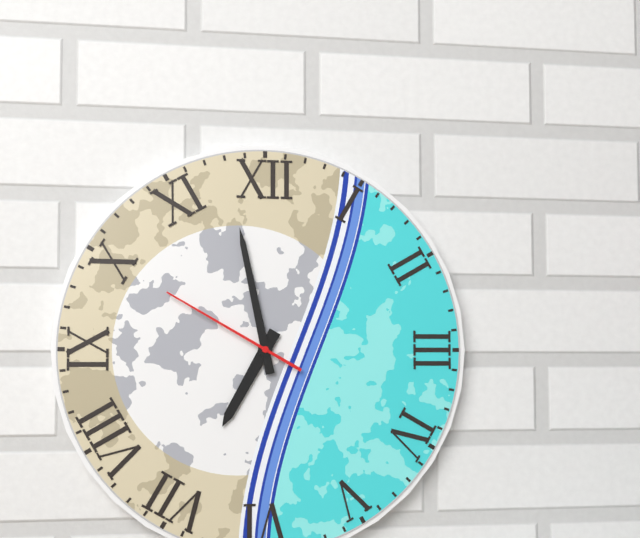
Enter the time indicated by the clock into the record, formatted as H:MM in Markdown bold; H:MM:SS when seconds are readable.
**6:58:50**
